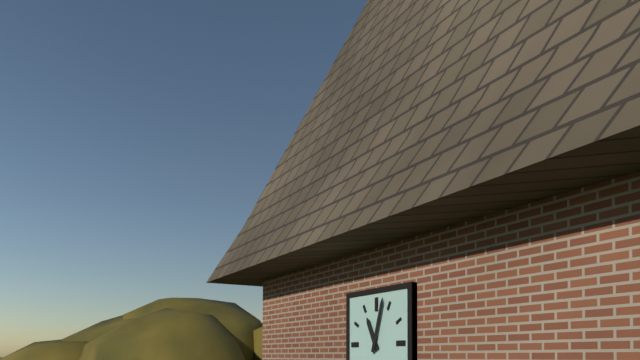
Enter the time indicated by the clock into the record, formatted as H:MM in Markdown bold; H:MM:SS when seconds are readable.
**11:03**
